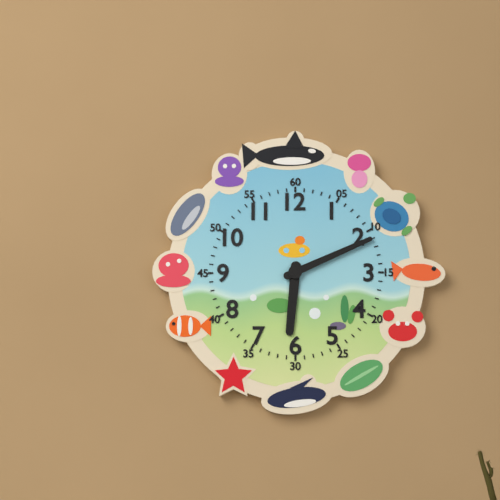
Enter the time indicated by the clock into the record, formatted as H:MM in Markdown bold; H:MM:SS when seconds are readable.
**6:11**
